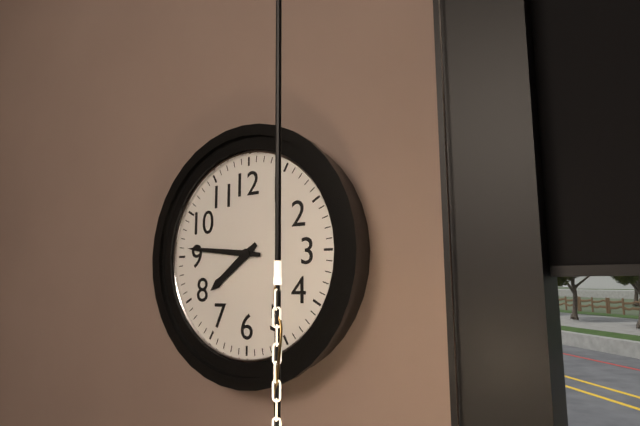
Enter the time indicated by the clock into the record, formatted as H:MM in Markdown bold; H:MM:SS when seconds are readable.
**7:46**
